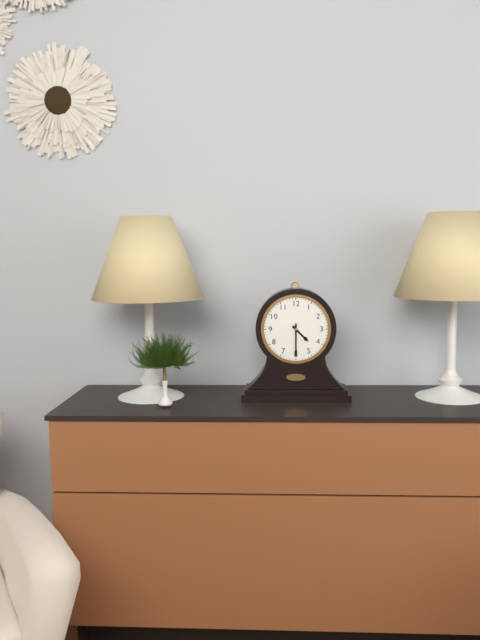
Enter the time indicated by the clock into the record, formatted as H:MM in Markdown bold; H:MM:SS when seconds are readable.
**4:30**
